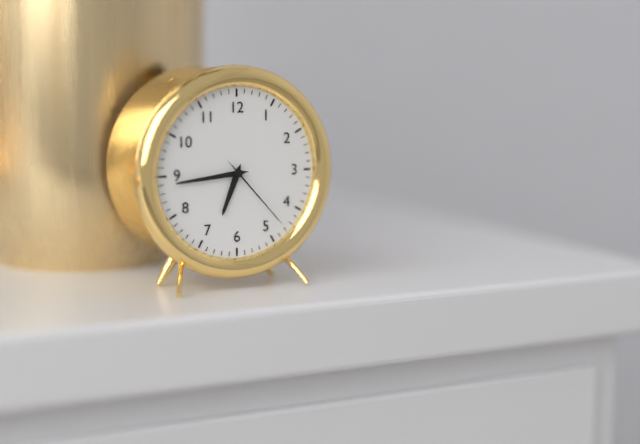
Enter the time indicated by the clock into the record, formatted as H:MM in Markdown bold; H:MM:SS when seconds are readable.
**6:44:23**
